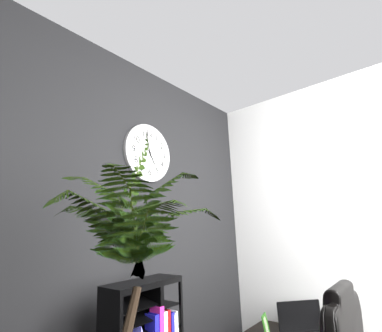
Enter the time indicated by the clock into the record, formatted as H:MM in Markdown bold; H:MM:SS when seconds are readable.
**4:58**
